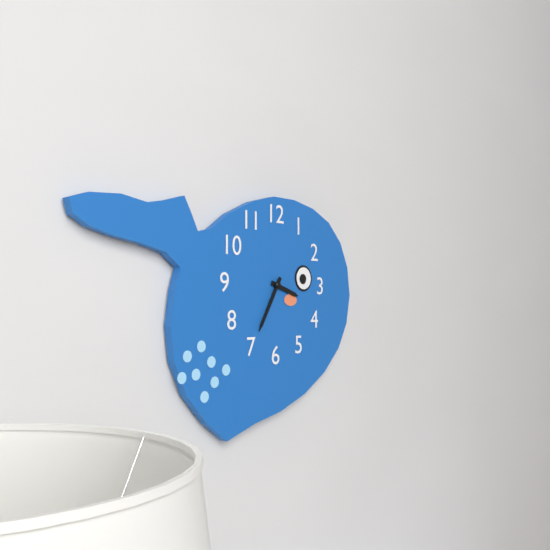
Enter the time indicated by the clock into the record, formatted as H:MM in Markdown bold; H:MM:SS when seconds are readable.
**3:35**
